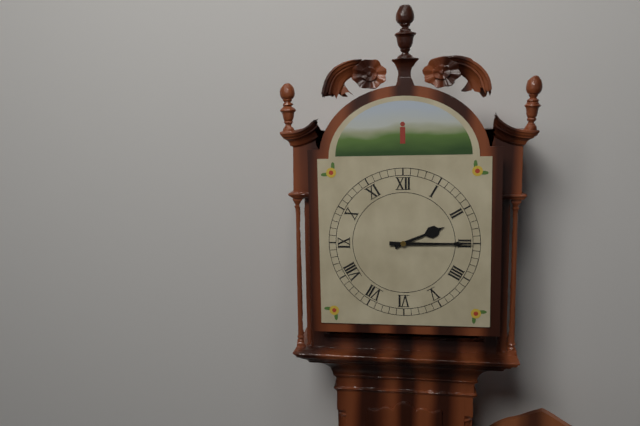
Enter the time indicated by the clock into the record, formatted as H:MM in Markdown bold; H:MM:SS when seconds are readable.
**2:15**
